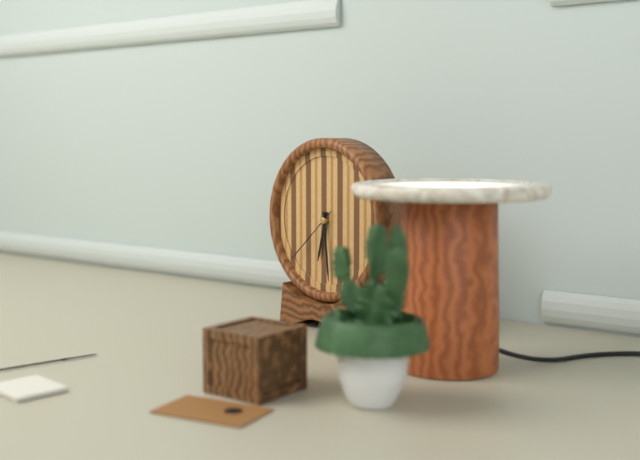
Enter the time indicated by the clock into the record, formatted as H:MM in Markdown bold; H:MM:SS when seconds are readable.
**6:29:38**
